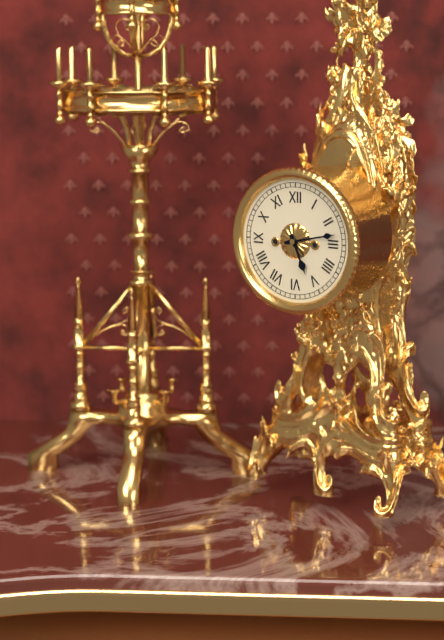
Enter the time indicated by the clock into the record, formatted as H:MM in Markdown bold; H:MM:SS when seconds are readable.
**5:13**
